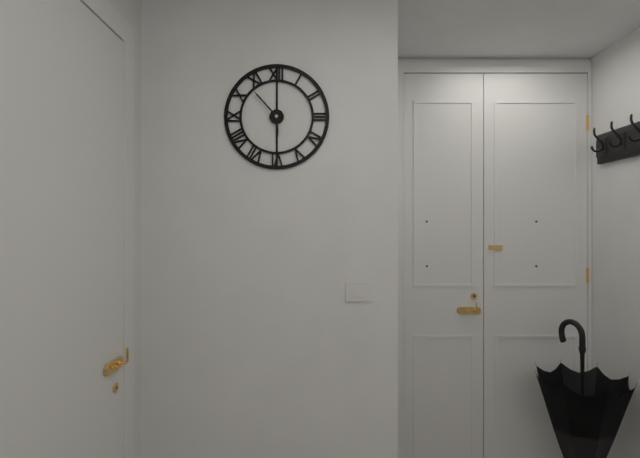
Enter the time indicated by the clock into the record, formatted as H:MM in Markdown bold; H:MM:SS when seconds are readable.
**5:53**
